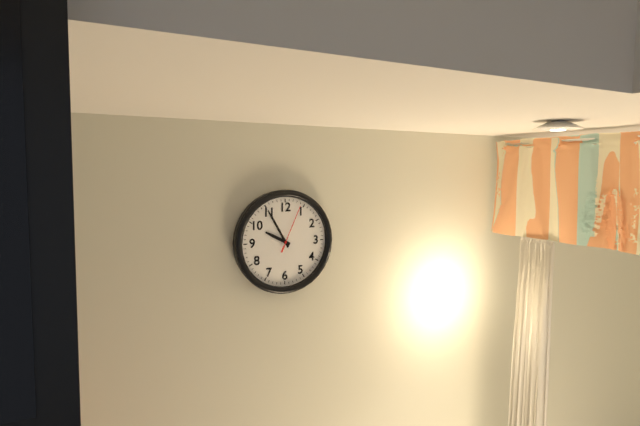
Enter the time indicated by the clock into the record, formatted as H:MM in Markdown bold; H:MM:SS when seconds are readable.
**9:55**
